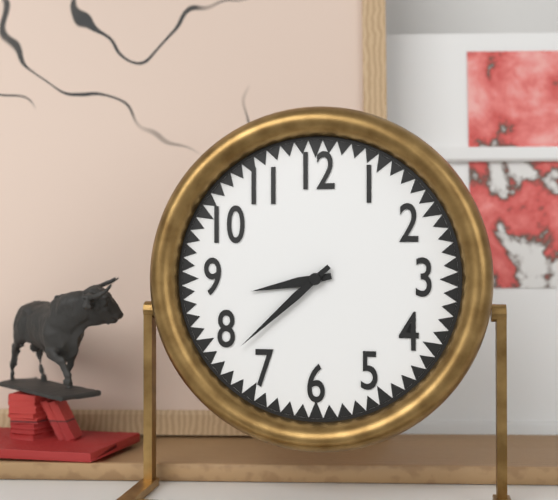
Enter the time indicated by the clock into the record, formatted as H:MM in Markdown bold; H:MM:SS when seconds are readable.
**8:38**
